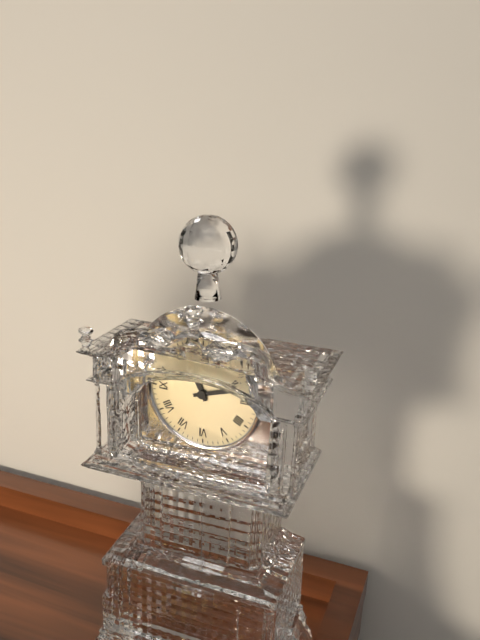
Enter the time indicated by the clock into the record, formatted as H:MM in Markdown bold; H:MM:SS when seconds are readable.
**11:12**
